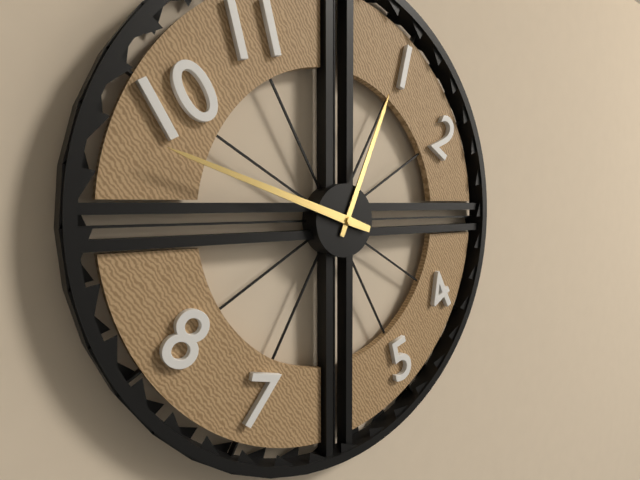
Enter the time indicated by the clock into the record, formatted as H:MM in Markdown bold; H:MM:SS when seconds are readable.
**12:48**
